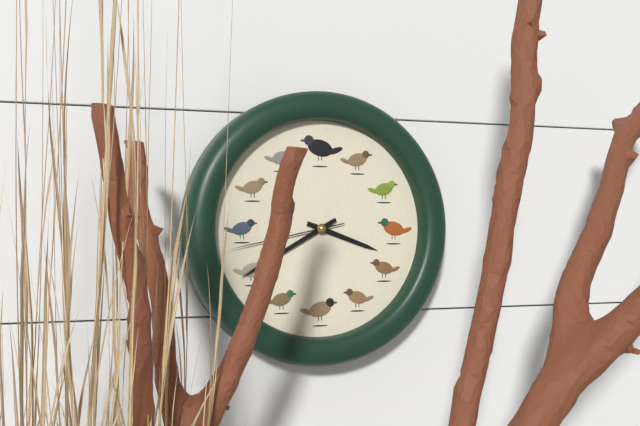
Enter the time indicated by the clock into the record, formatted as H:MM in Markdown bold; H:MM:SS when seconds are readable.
**3:40:43**
